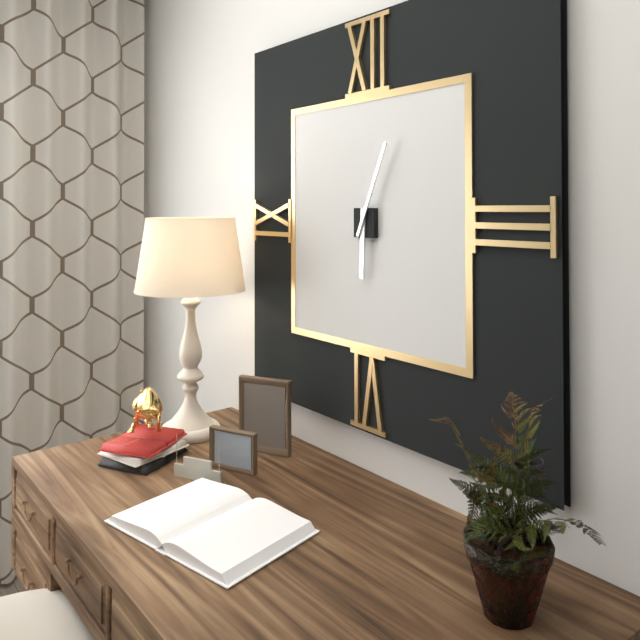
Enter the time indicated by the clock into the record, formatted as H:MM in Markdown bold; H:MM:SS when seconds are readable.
**6:04**
